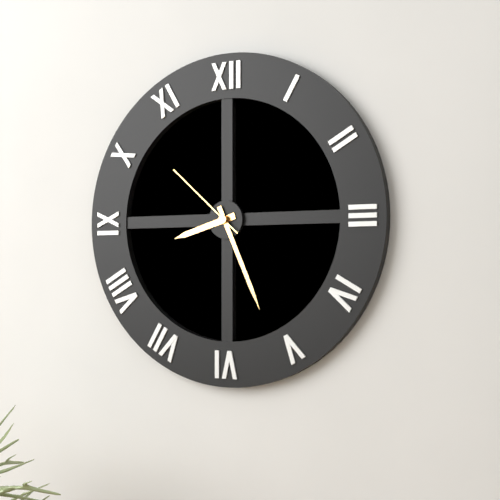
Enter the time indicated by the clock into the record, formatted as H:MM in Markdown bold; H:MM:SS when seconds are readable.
**8:26:52**
